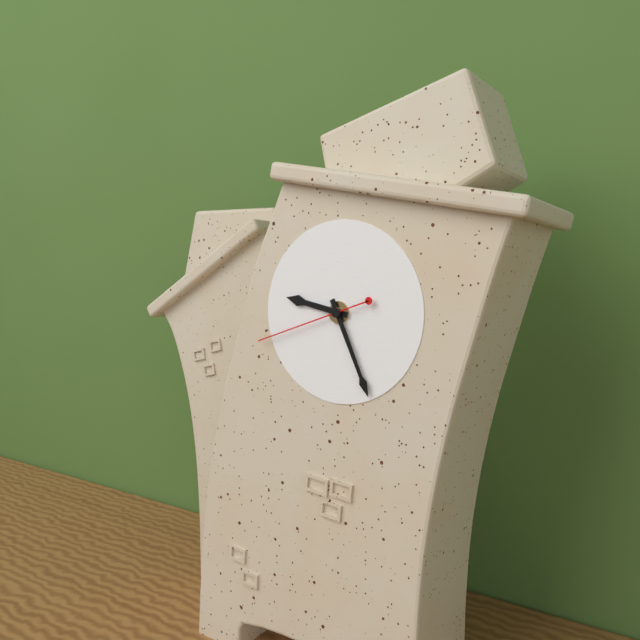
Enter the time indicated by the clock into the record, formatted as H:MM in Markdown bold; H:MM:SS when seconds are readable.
**9:26:42**
